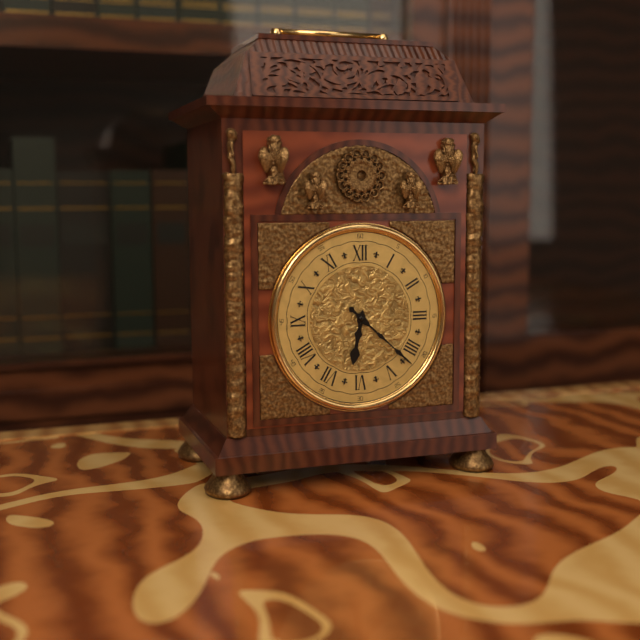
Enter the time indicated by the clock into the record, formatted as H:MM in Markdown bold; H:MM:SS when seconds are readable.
**6:22**
